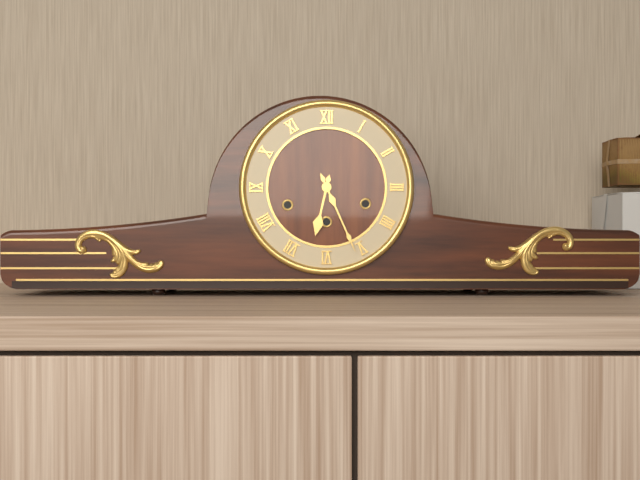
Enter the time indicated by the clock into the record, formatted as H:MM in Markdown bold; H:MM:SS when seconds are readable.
**6:26**
